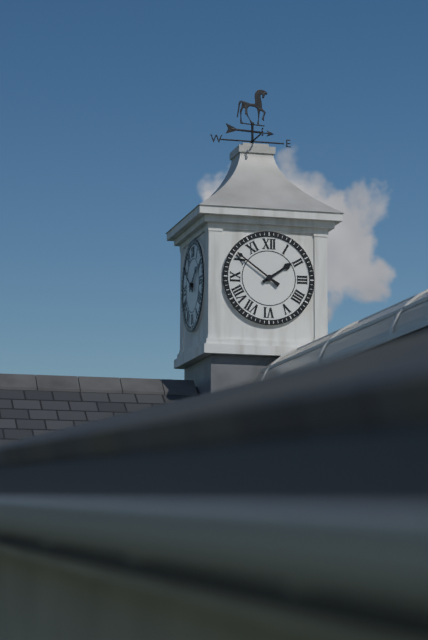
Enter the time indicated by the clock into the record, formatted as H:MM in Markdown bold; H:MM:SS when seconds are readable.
**1:51**
